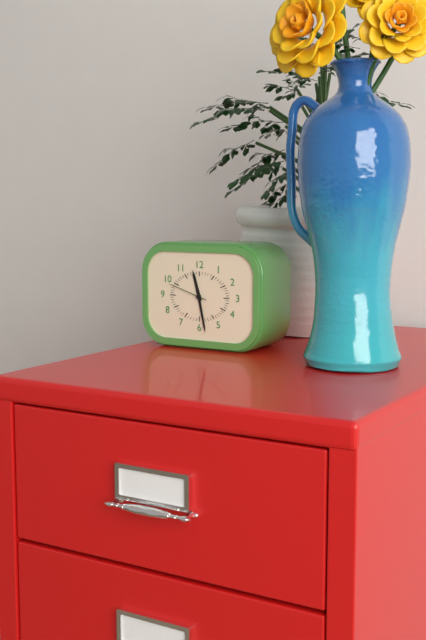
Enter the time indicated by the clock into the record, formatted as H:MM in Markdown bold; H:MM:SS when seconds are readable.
**11:28:48**
